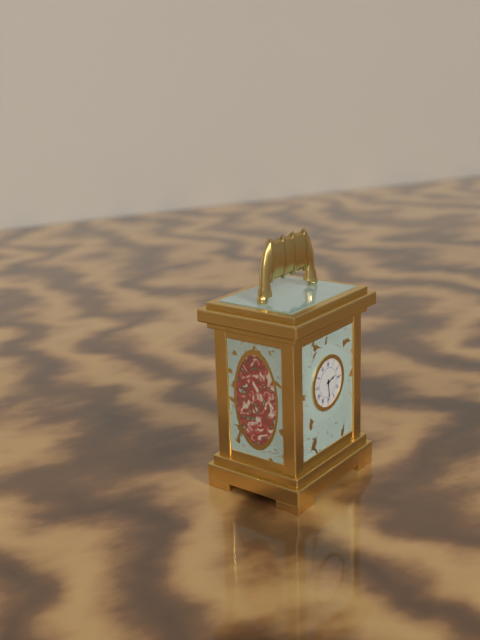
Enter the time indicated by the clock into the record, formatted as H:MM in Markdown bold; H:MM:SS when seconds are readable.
**2:29**
